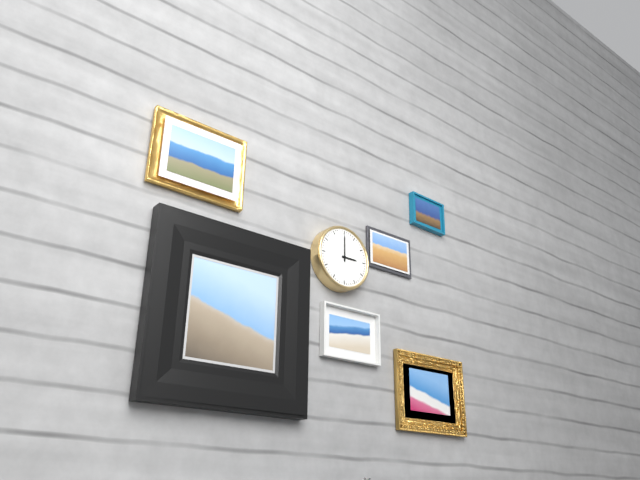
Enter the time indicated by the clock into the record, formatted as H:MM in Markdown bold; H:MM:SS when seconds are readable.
**3:00**
